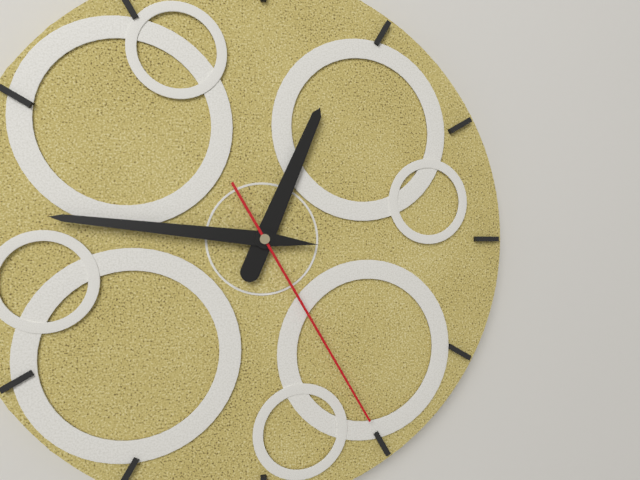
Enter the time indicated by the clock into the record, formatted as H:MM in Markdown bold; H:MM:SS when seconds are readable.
**12:46:25**
